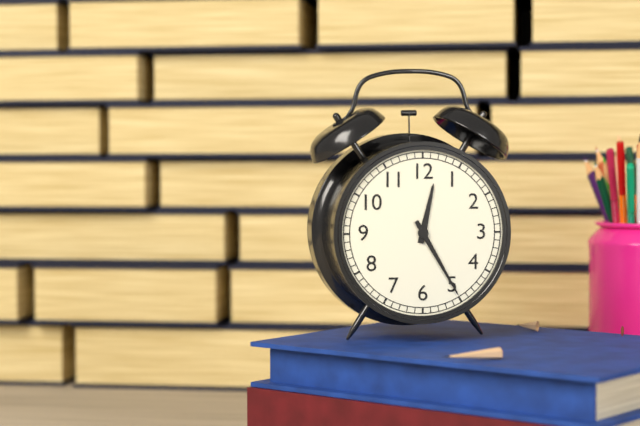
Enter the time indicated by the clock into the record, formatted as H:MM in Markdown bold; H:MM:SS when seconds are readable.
**12:25**
